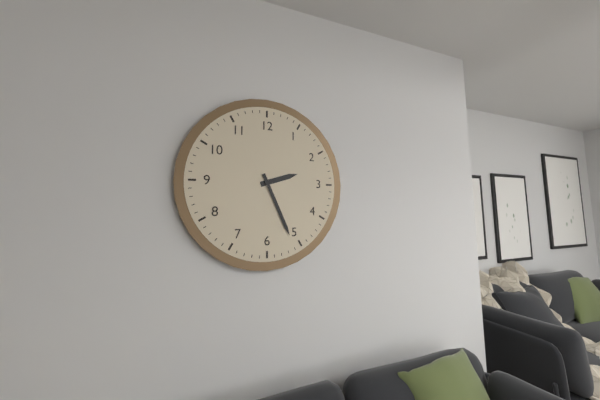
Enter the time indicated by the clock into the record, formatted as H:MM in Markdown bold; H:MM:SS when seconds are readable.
**2:26**
